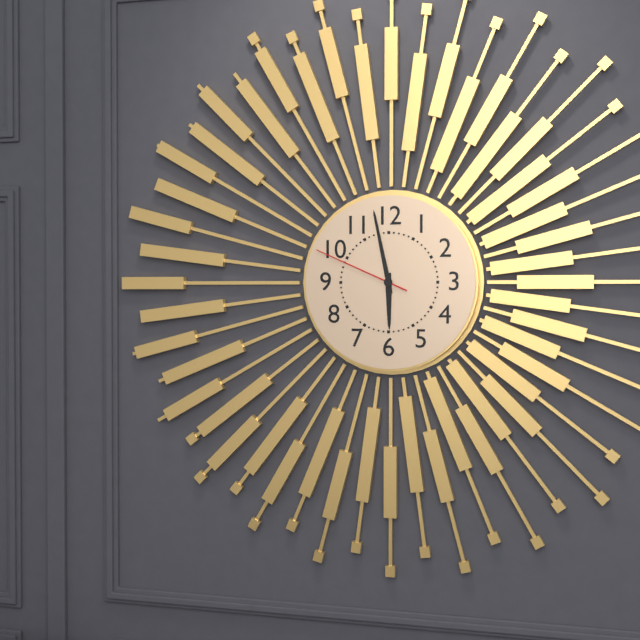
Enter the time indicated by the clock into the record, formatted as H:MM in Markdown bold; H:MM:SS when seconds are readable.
**5:58:49**
